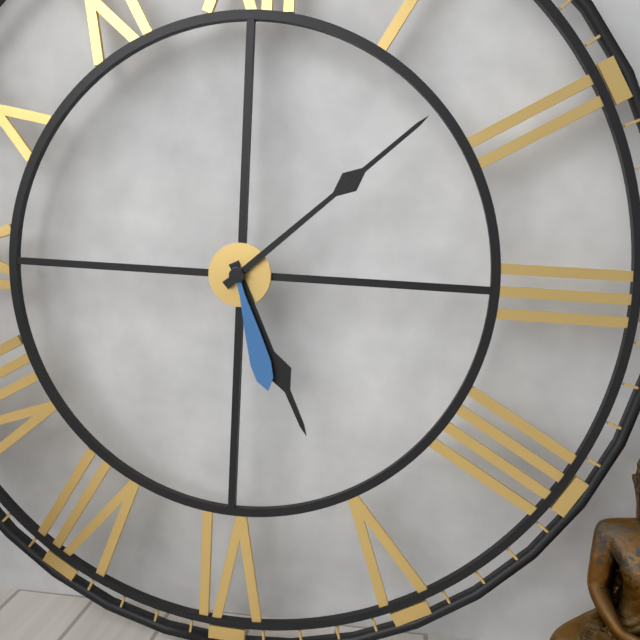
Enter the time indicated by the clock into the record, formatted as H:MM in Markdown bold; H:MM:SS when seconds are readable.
**5:08:27**
